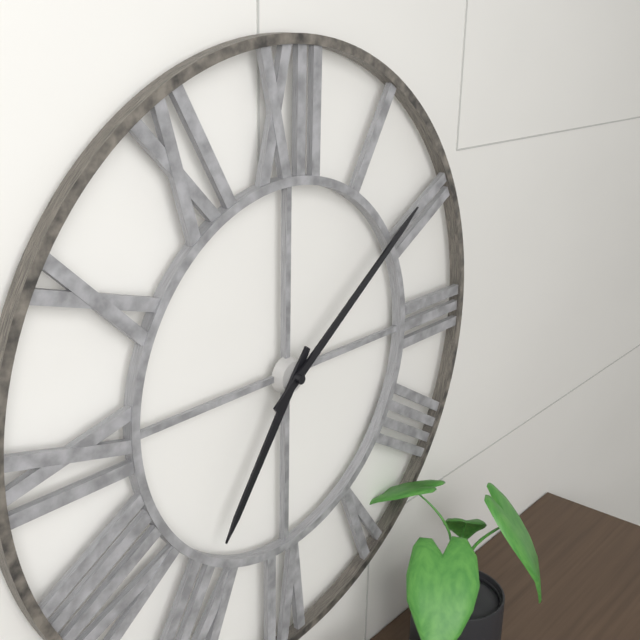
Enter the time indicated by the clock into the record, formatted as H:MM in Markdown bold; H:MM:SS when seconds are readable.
**7:09**
